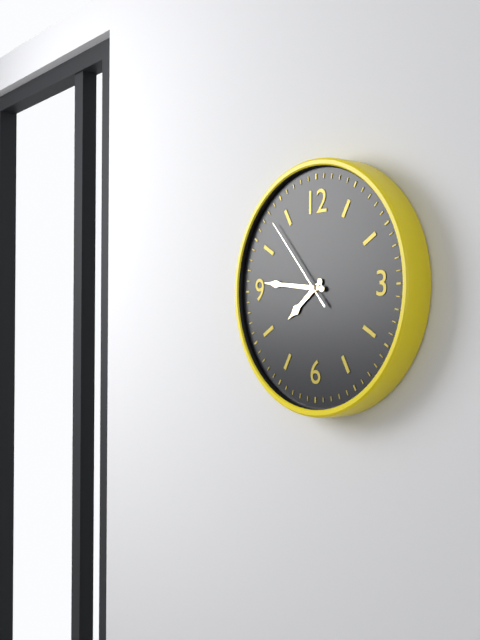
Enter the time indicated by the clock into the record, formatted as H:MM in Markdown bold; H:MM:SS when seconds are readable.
**7:46:53**
